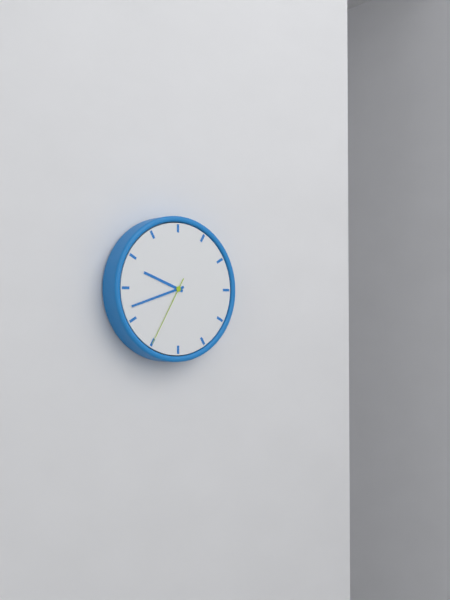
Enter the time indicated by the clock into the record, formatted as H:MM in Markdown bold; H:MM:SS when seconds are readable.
**9:42:35**
